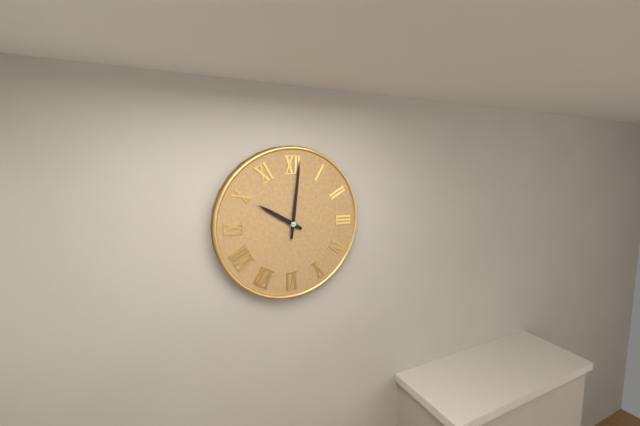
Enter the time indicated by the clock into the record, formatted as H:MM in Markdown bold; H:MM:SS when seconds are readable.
**10:01**
